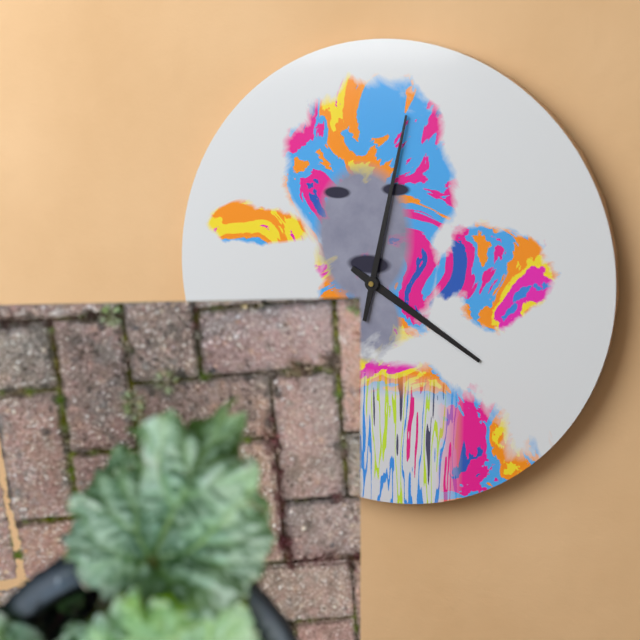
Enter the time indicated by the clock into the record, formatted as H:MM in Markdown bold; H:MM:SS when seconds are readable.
**4:02**
